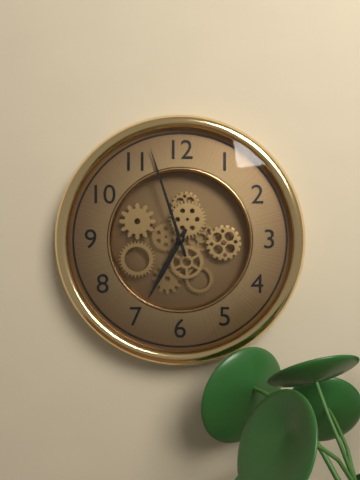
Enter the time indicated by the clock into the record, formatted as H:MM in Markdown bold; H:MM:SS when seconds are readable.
**6:57**
